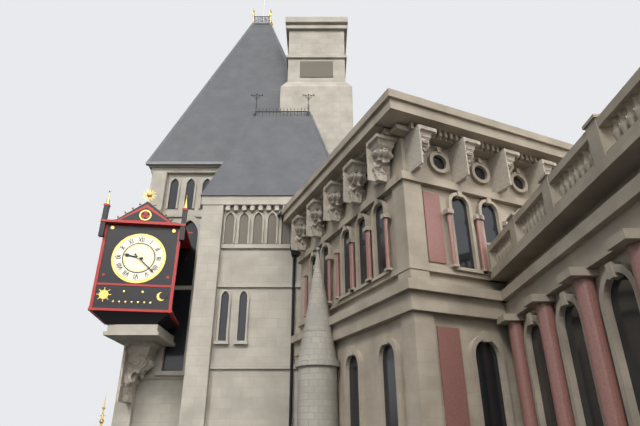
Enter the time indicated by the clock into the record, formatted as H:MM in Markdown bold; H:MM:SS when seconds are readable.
**9:22**
